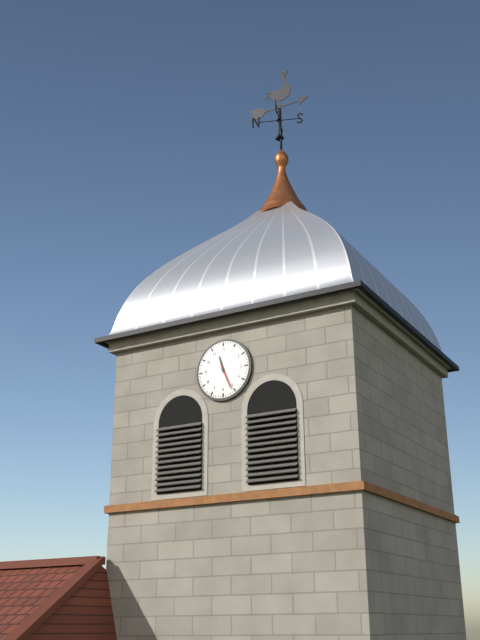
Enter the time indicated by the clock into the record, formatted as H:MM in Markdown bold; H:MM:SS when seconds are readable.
**11:26**
